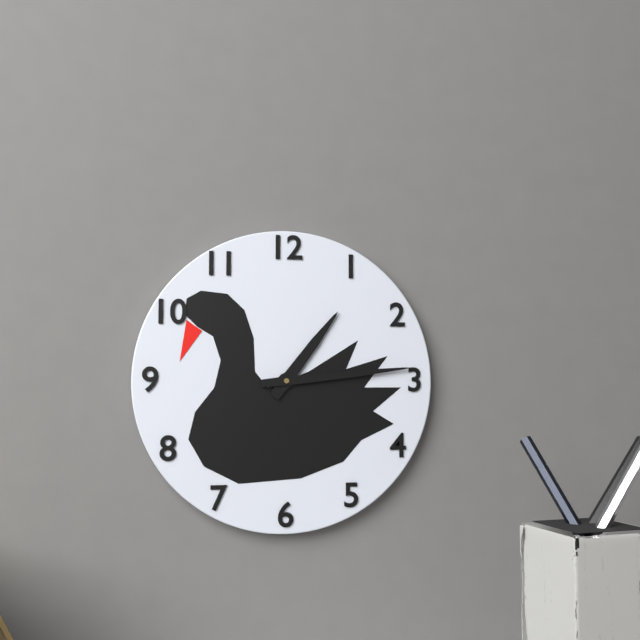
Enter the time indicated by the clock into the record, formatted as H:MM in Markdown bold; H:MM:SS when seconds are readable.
**1:14**
